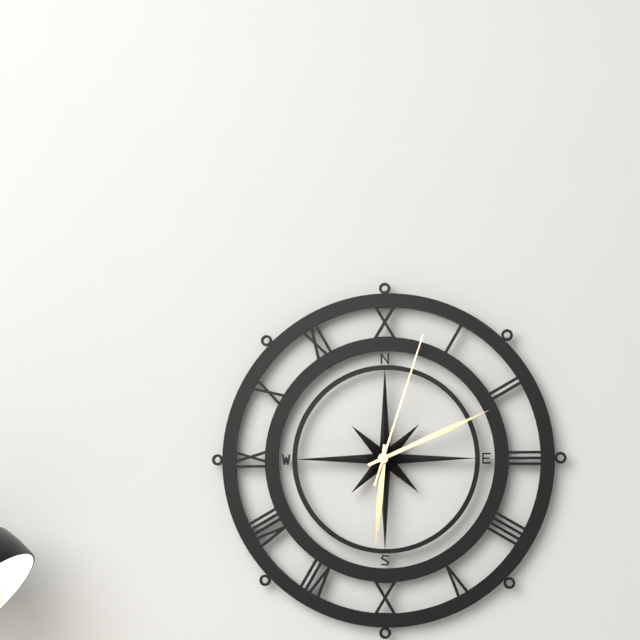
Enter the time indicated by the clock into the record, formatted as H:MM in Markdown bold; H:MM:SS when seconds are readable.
**6:11:03**
